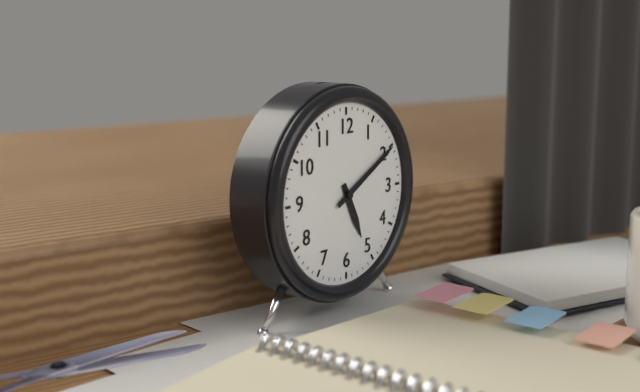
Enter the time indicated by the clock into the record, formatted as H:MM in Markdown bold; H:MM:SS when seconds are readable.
**5:10**
